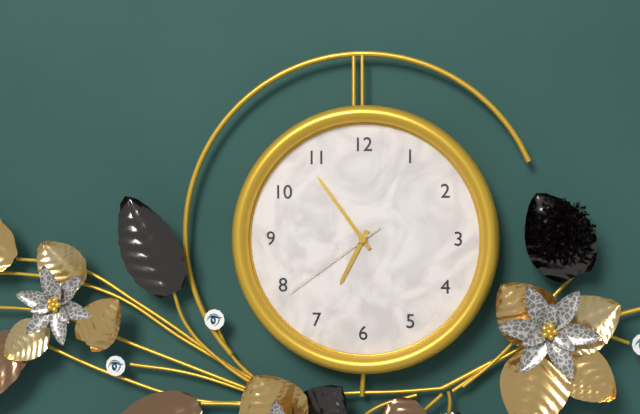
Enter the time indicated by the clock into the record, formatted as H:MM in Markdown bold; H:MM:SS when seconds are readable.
**6:54:39**
